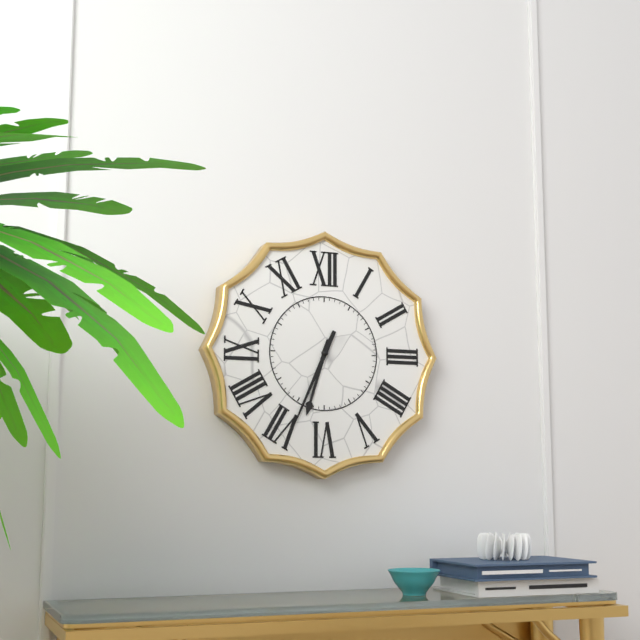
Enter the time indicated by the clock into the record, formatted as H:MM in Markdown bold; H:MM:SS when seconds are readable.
**6:34**
